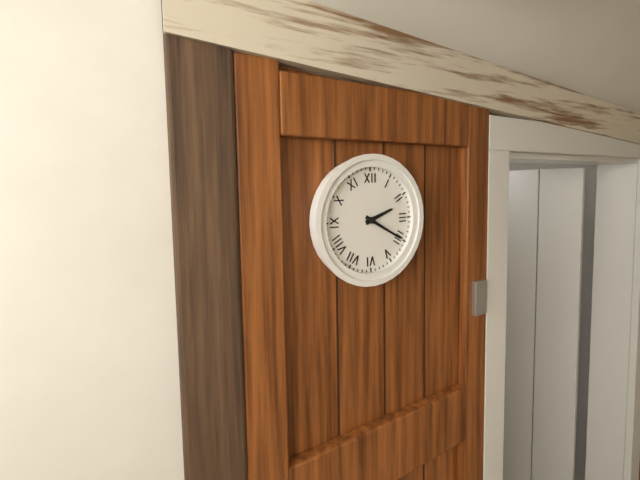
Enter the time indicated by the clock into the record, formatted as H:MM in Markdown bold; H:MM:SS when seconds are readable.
**2:20**
